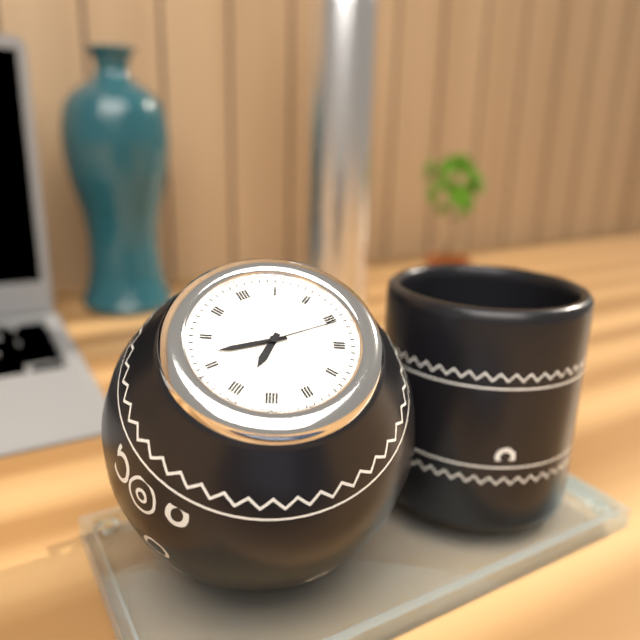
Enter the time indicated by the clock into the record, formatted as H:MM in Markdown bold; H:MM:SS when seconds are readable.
**7:47:16**
